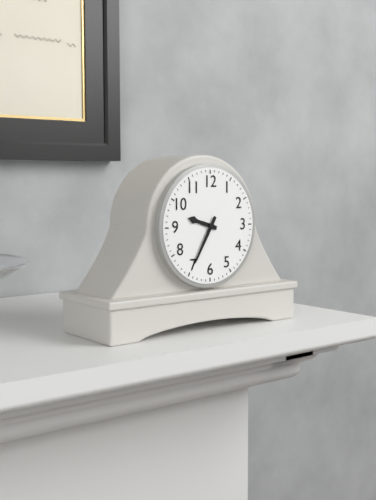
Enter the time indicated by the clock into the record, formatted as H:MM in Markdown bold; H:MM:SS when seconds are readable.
**9:35**
